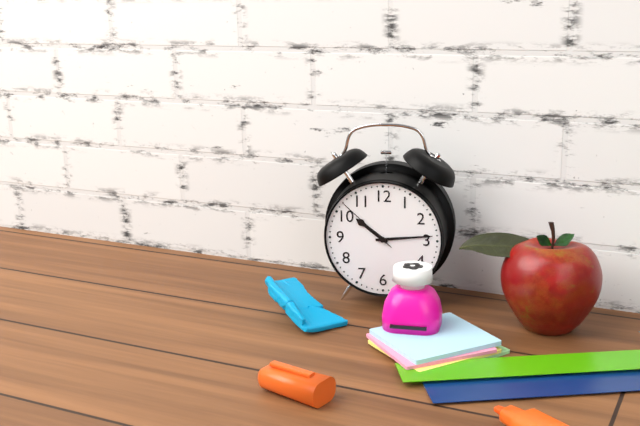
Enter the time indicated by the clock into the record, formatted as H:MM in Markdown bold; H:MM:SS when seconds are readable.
**10:14:52**
